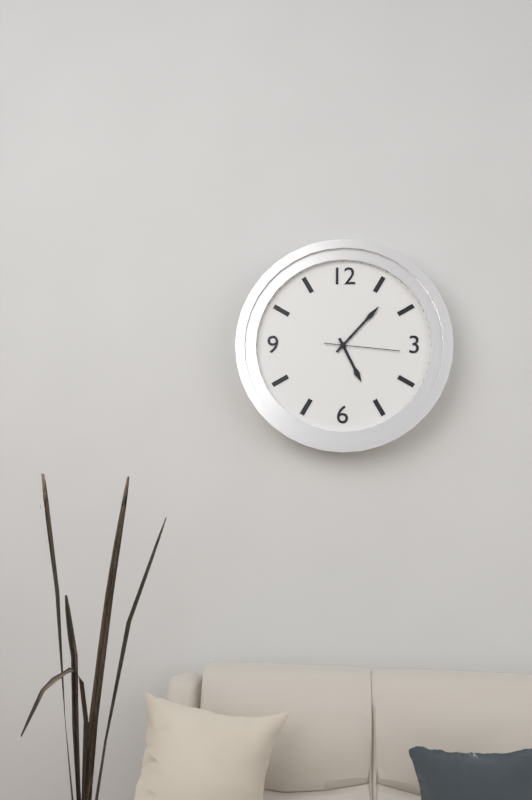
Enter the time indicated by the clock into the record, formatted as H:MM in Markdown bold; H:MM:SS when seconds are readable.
**5:07:16**
